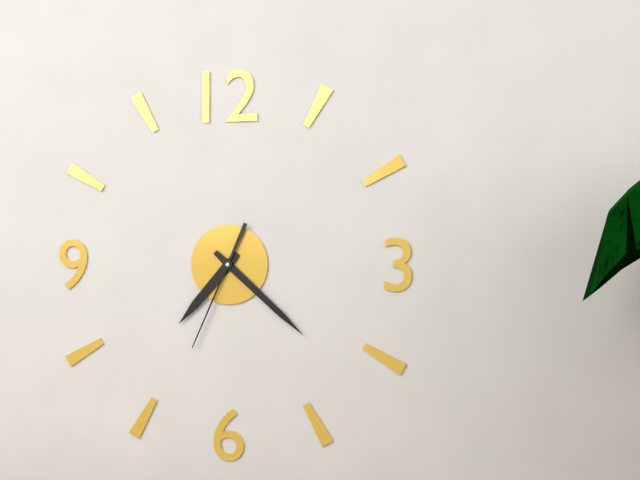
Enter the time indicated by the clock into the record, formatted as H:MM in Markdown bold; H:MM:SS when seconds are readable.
**7:22:34**
